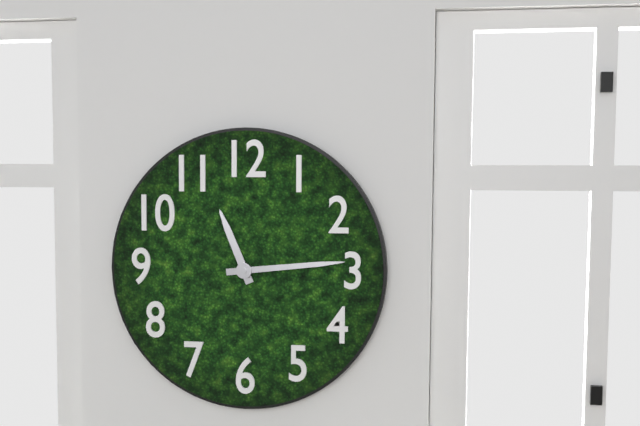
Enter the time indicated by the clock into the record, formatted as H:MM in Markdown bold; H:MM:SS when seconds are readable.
**11:14**
